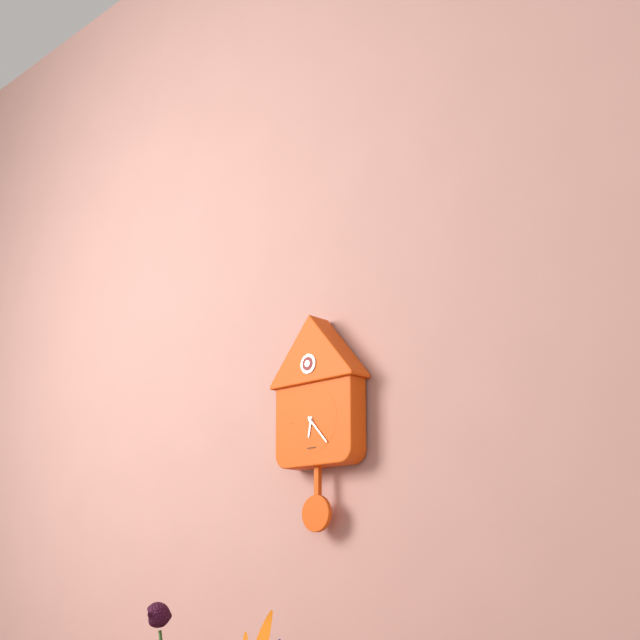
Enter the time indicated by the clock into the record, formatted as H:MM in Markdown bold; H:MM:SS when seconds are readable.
**6:23**
